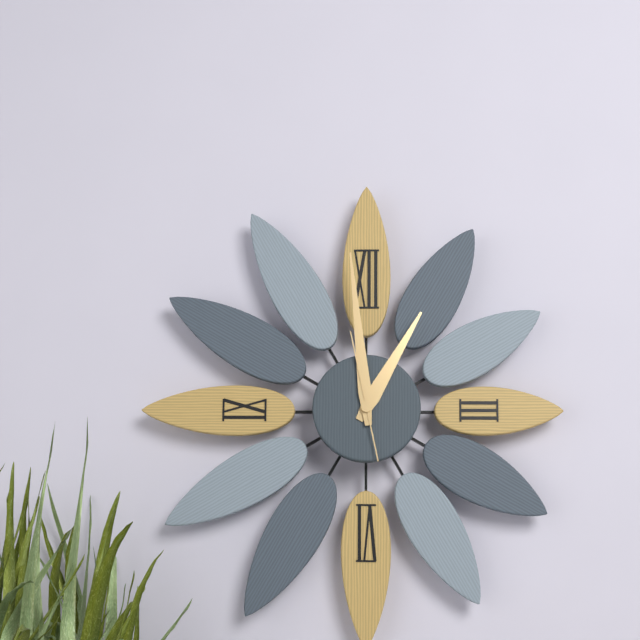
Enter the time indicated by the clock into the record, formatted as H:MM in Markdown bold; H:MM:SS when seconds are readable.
**12:59:58**
